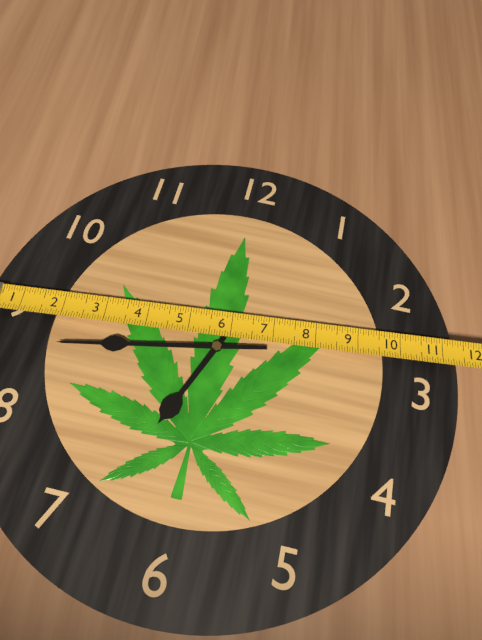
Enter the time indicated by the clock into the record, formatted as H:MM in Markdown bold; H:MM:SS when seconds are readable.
**6:43**
